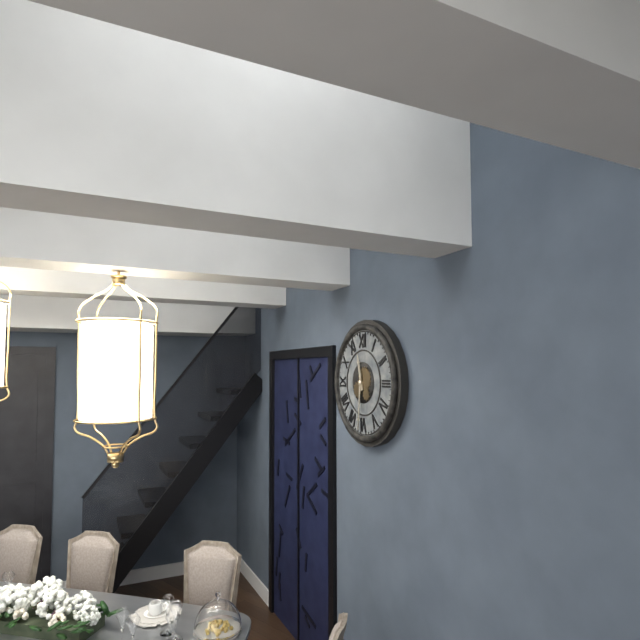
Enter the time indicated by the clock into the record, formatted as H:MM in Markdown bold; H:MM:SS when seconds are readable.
**11:31**
